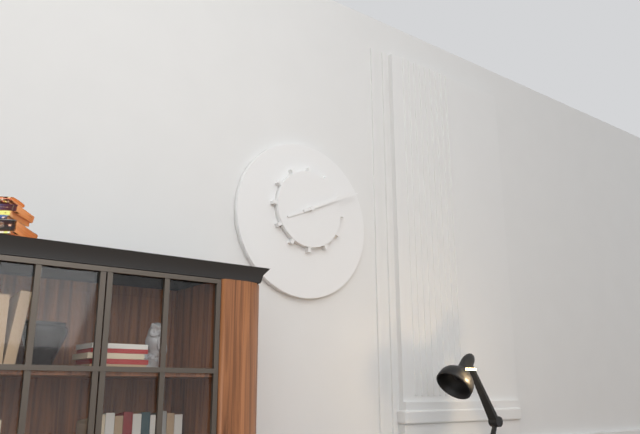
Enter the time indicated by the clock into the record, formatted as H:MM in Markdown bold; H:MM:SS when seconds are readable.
**8:11**
